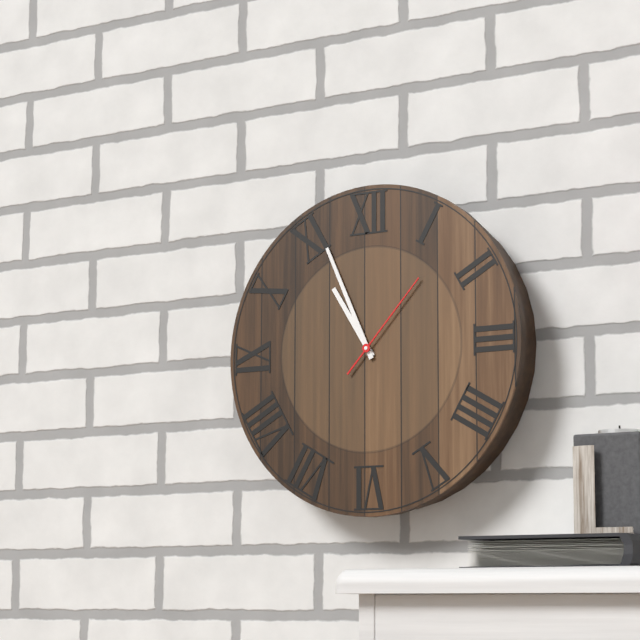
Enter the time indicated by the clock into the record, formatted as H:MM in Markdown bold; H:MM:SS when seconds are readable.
**10:56:07**
